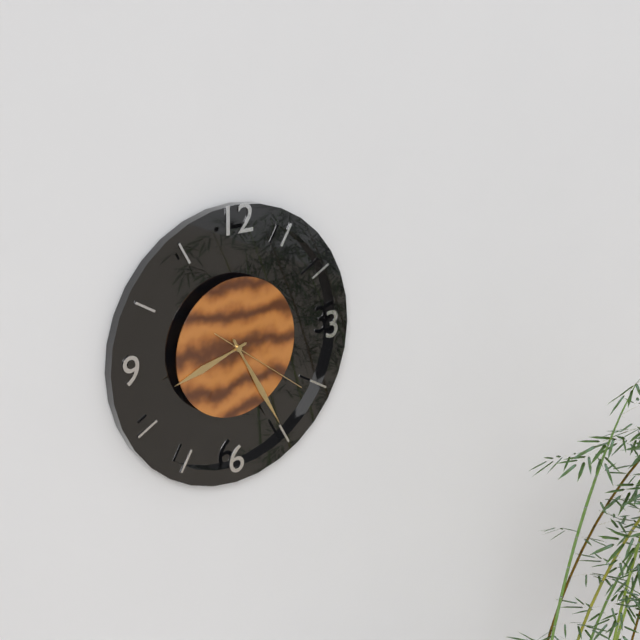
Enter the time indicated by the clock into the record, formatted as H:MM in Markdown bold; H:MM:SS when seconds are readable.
**8:25:21**
